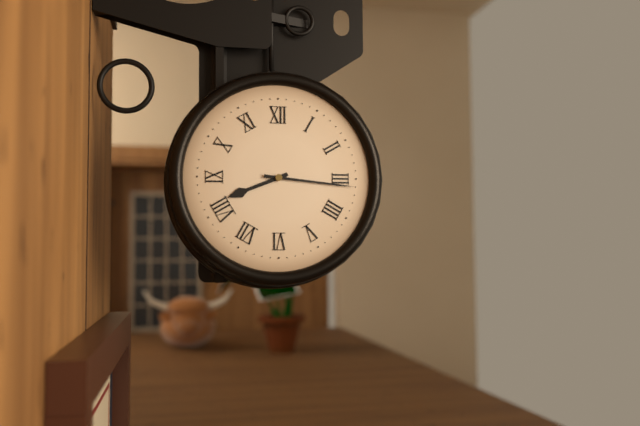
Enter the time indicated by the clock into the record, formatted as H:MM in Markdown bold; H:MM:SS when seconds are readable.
**8:16**
